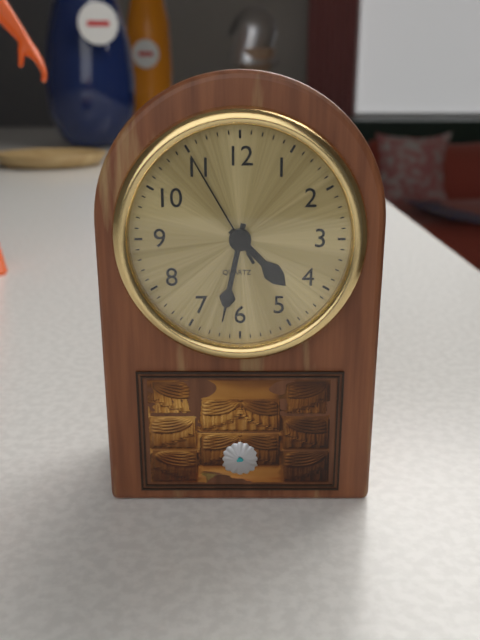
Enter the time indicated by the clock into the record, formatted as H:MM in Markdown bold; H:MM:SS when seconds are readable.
**4:32:55**
